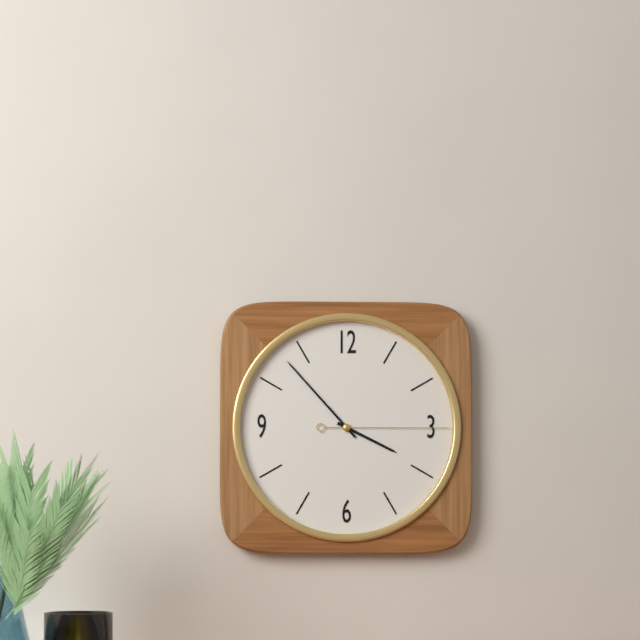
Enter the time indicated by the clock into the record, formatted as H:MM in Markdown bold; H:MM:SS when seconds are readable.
**3:53:15**
